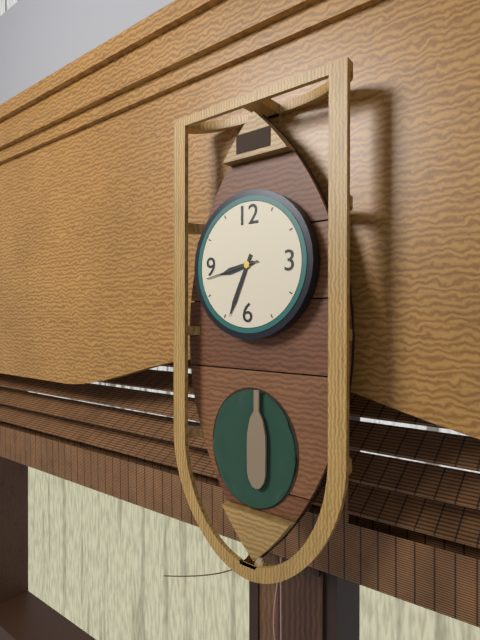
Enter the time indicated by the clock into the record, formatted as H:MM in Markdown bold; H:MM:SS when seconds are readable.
**8:34:43**
